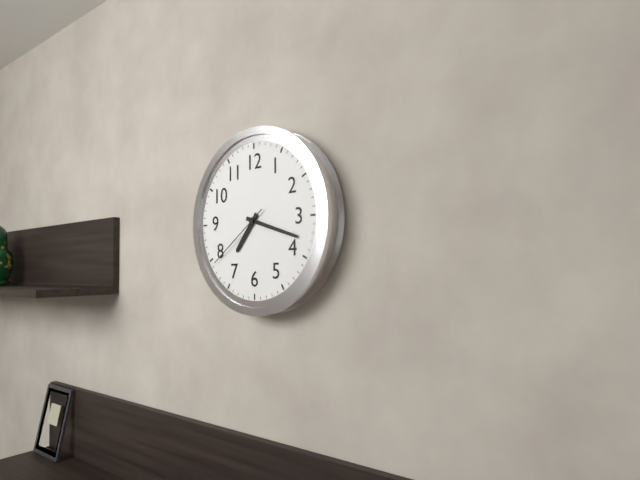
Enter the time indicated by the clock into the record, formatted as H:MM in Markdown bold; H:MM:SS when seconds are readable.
**7:18:39**
